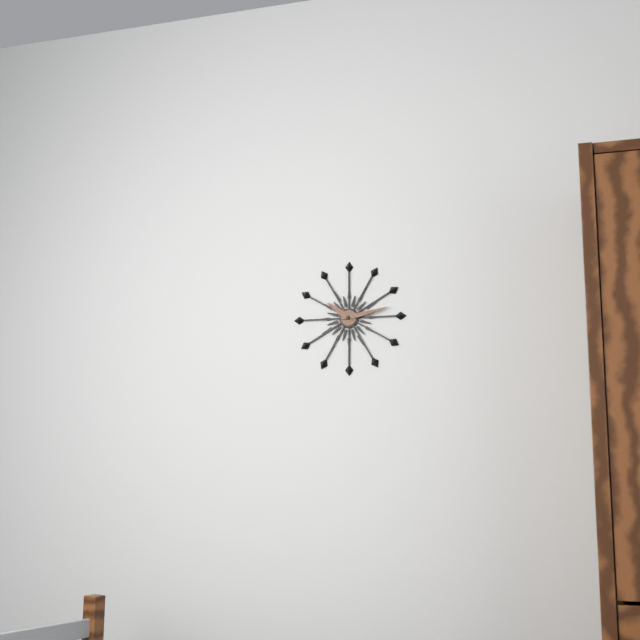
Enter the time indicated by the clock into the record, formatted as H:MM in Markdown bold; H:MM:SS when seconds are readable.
**10:13**
